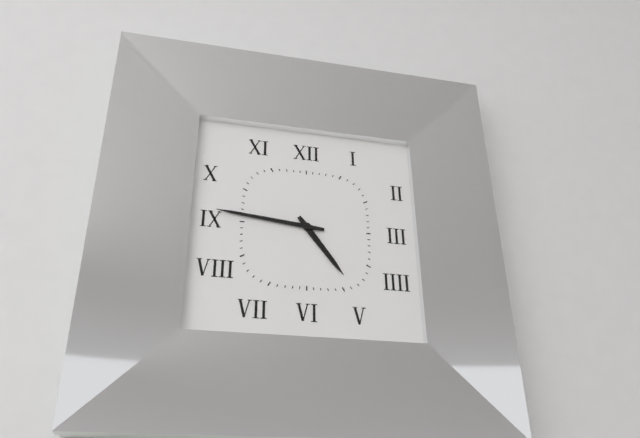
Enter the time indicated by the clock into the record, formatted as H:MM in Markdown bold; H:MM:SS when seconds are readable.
**4:46**
